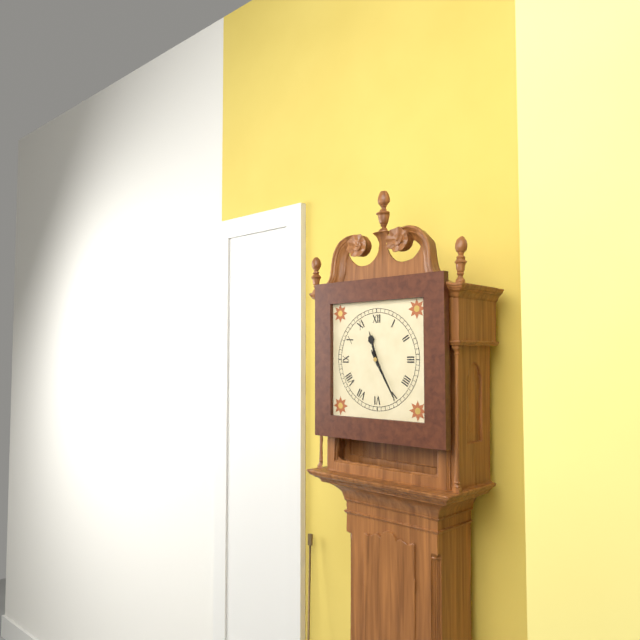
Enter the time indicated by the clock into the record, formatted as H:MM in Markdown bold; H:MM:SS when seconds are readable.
**11:25**
